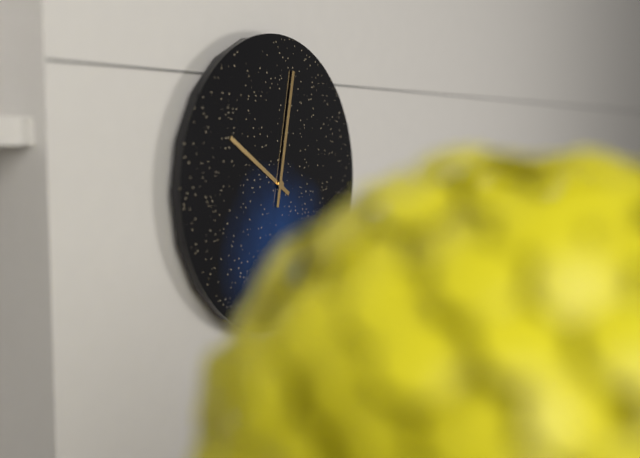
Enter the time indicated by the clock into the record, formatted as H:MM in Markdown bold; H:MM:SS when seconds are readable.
**10:02**
